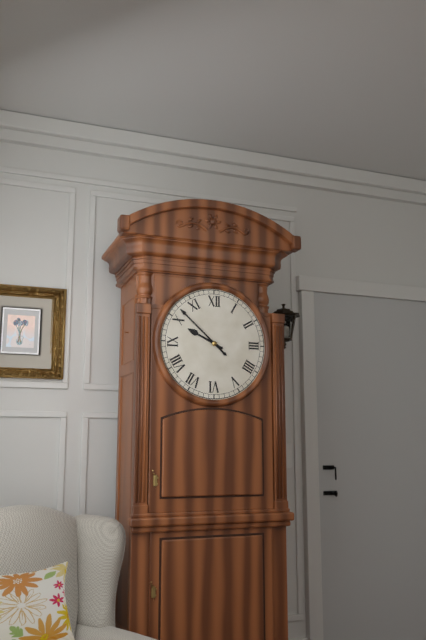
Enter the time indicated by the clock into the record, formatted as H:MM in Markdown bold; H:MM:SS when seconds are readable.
**9:52**
